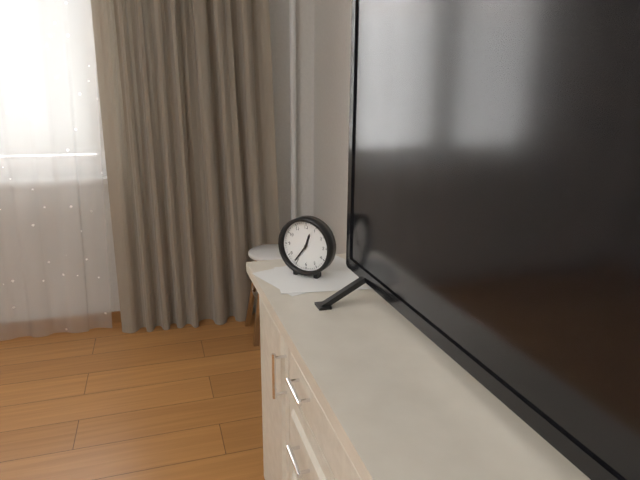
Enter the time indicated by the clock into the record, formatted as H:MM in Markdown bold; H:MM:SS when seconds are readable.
**12:36**
